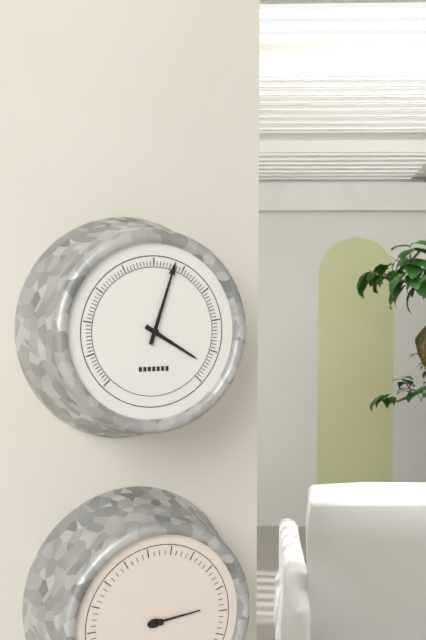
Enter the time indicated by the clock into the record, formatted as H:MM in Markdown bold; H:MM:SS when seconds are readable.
**4:03**
